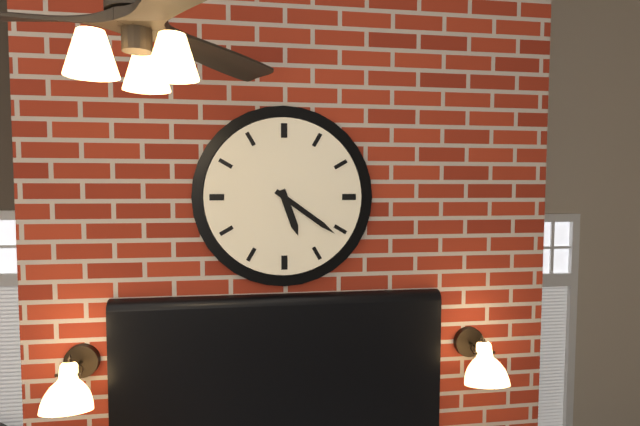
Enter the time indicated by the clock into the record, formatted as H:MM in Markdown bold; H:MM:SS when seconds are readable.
**5:21**
